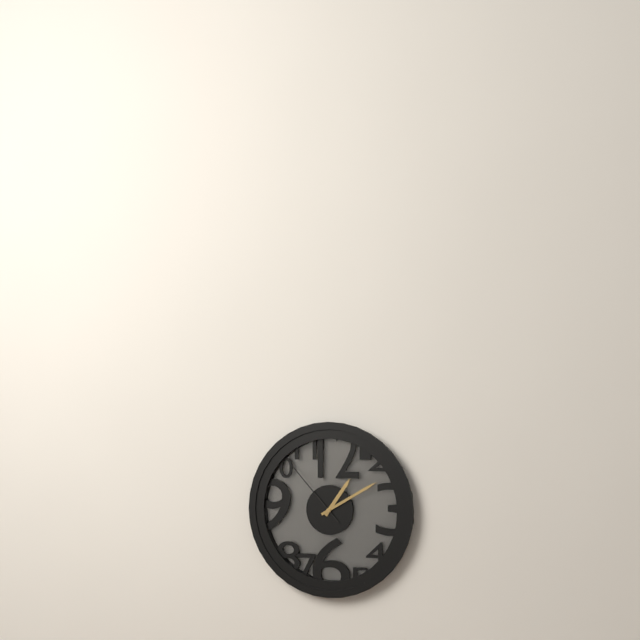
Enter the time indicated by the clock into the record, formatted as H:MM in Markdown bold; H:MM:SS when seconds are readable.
**1:10:53**
